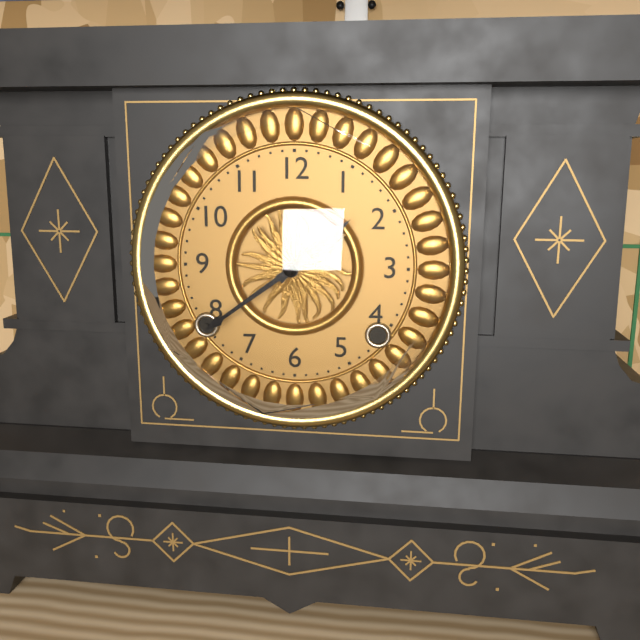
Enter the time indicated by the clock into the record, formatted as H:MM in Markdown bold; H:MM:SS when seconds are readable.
**1:39**
